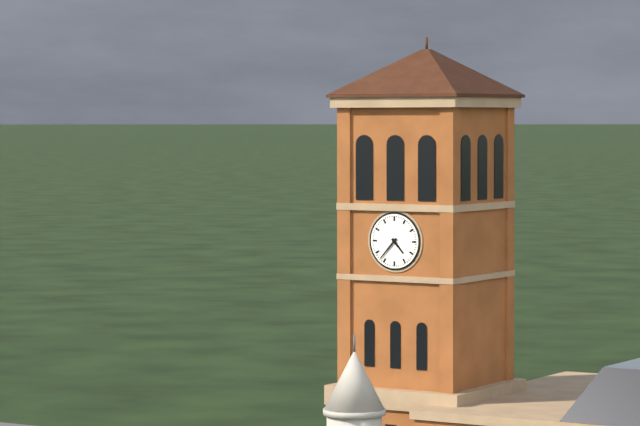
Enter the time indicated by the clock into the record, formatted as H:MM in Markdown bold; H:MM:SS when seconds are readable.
**4:37**
